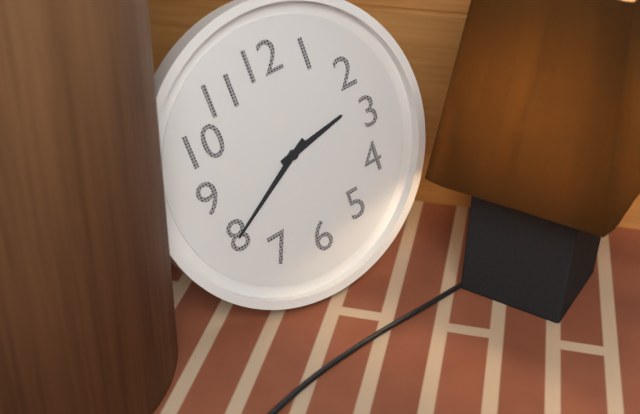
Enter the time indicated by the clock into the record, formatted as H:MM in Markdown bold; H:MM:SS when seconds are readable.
**2:40**
